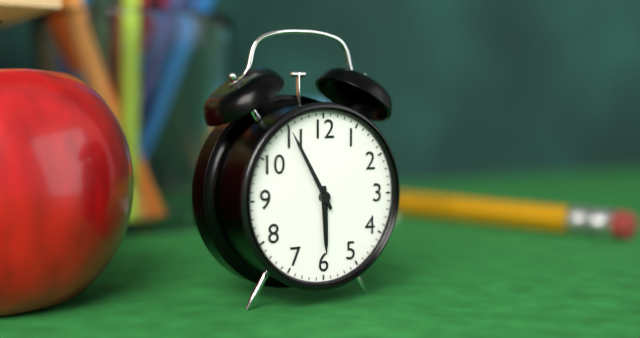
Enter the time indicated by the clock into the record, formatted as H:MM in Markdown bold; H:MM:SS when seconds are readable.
**5:55**
